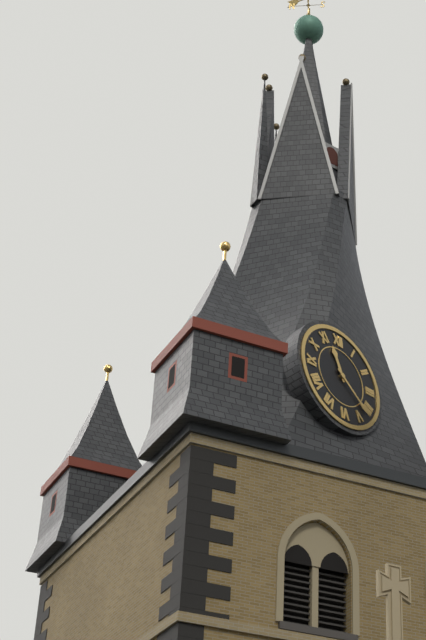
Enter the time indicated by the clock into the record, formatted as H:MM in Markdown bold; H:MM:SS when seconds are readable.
**11:22**
